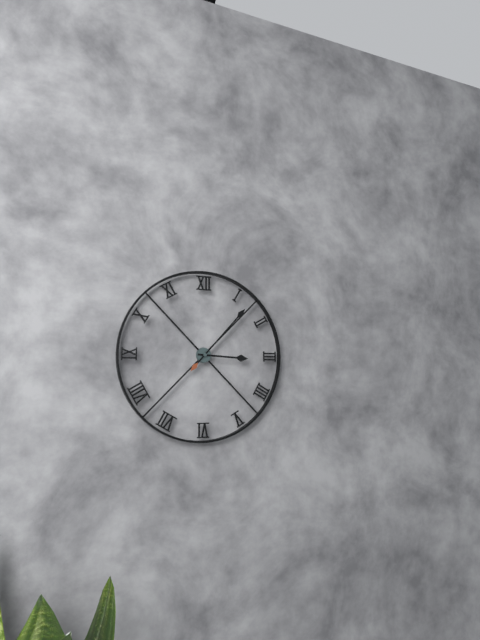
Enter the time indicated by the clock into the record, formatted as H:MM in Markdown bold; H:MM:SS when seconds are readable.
**3:07**
